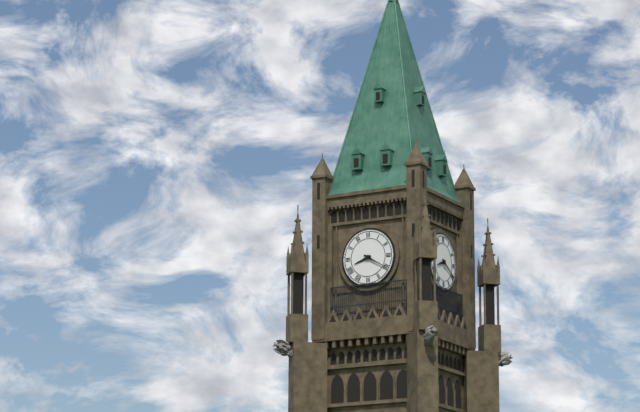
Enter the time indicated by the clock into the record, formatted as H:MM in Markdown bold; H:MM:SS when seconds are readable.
**8:20**
